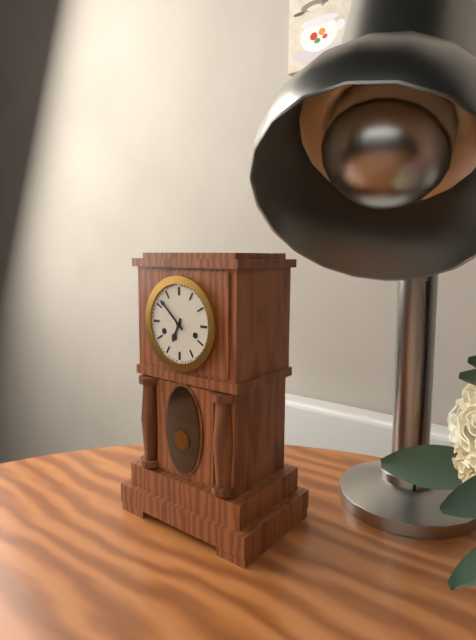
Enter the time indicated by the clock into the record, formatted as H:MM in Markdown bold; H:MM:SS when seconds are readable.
**6:52**
